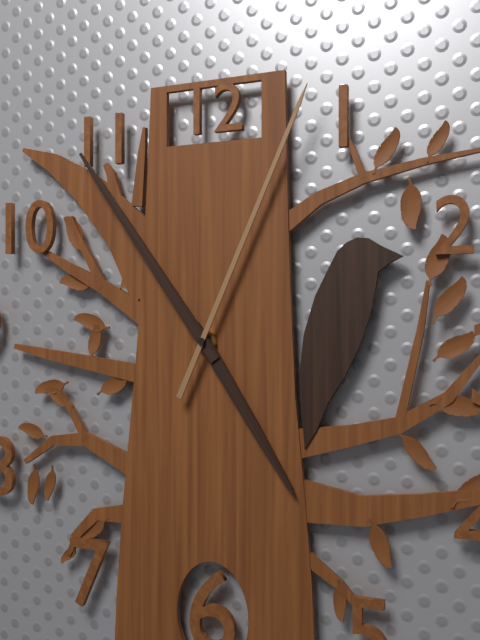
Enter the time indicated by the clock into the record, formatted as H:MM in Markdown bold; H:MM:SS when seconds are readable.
**4:54:04**
